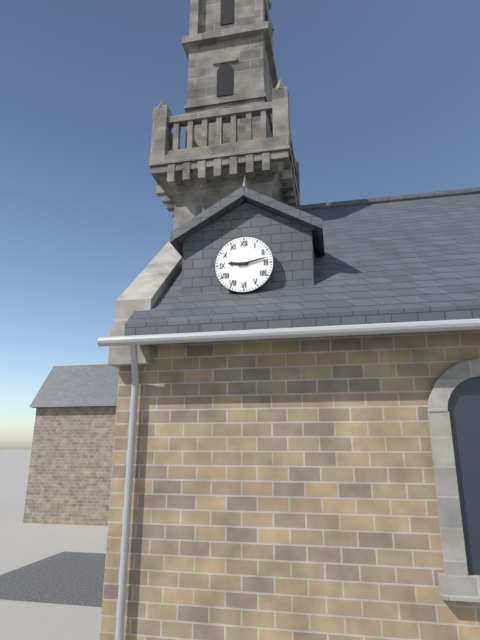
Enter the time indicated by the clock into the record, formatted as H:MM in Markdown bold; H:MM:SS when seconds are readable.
**9:13**
